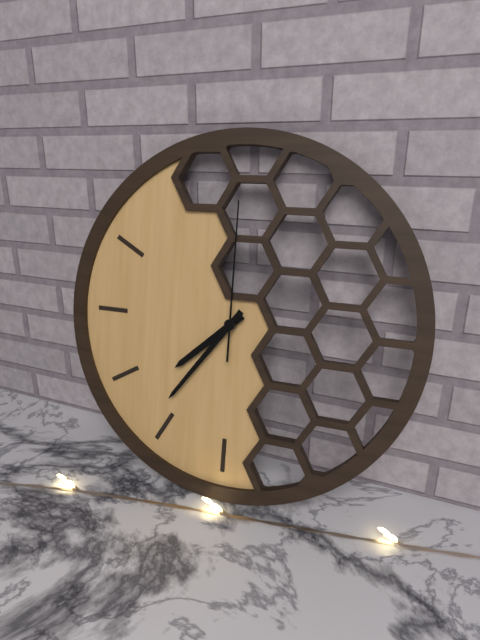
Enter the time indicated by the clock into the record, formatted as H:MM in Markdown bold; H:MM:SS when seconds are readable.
**7:36:00**
